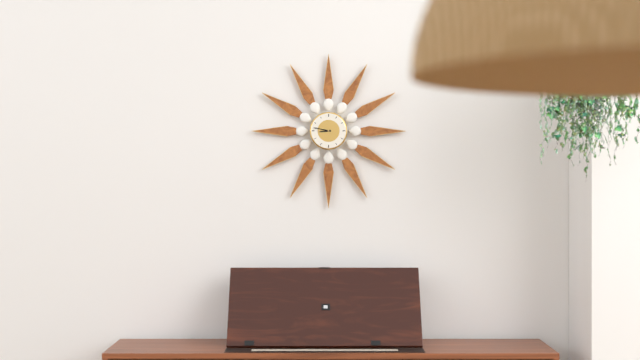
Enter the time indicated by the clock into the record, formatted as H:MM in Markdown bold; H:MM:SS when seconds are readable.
**8:47**
